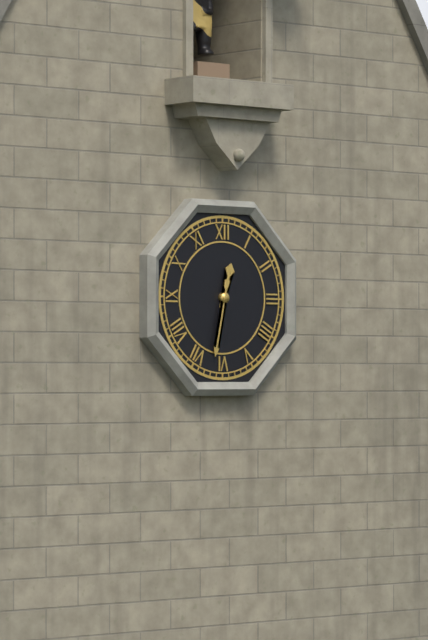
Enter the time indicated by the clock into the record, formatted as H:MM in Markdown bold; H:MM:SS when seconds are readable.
**12:32**
